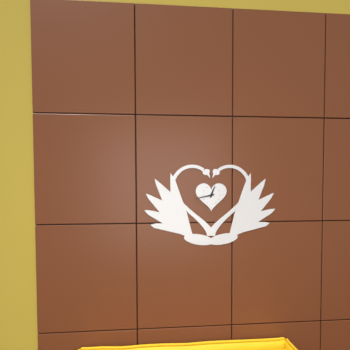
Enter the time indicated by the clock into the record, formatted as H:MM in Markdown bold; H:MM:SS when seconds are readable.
**12:43**
